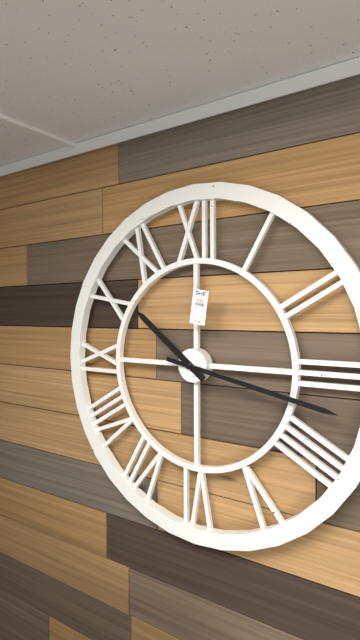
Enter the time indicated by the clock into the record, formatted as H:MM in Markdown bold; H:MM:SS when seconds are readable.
**10:17**
